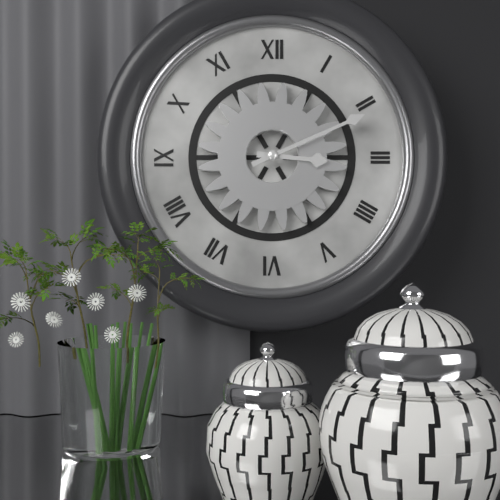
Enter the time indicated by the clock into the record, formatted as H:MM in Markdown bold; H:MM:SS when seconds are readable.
**3:11**
